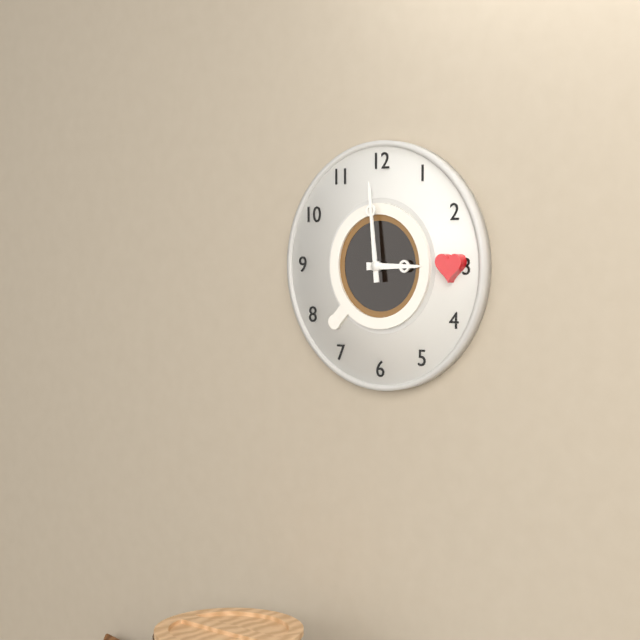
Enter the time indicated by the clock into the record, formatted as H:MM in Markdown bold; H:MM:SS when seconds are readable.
**2:59**
